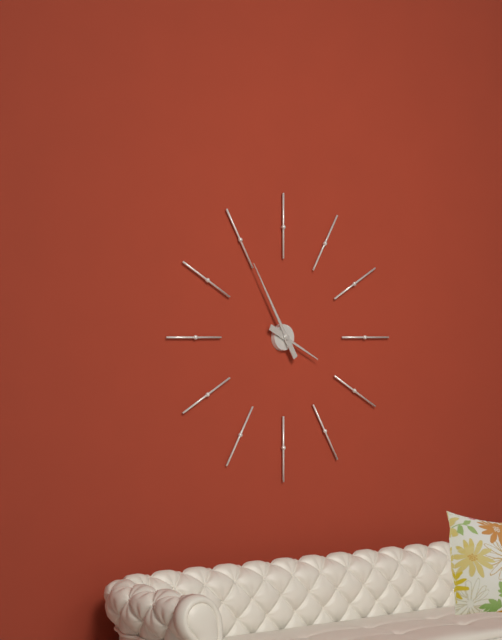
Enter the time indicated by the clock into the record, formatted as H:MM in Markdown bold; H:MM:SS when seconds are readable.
**3:55**
